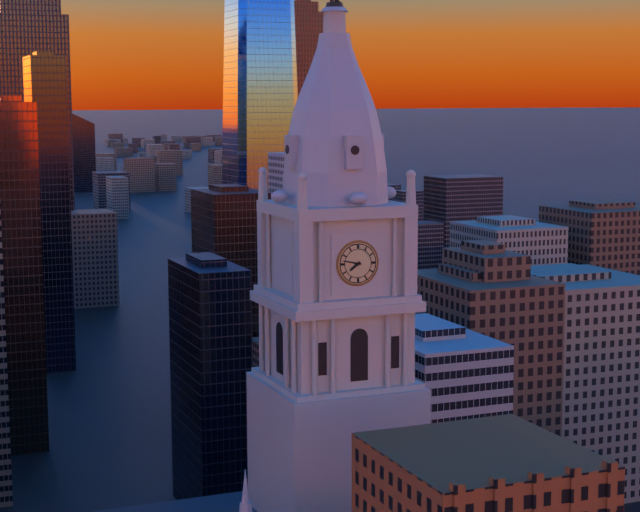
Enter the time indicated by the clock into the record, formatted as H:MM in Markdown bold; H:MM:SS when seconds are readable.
**7:47**
